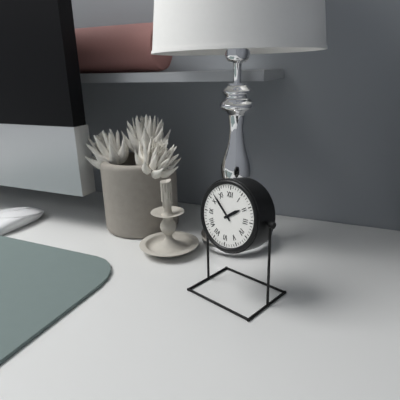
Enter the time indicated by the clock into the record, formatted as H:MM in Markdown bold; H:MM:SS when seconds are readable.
**1:52**
